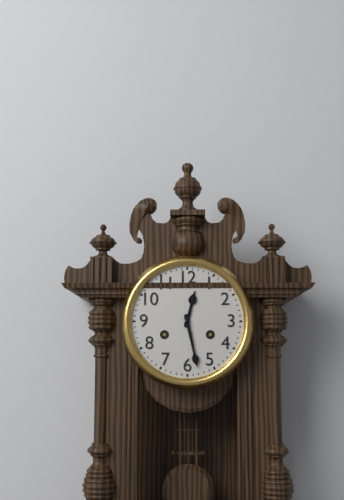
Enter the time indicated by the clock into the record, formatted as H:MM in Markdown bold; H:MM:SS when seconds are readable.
**12:28**
